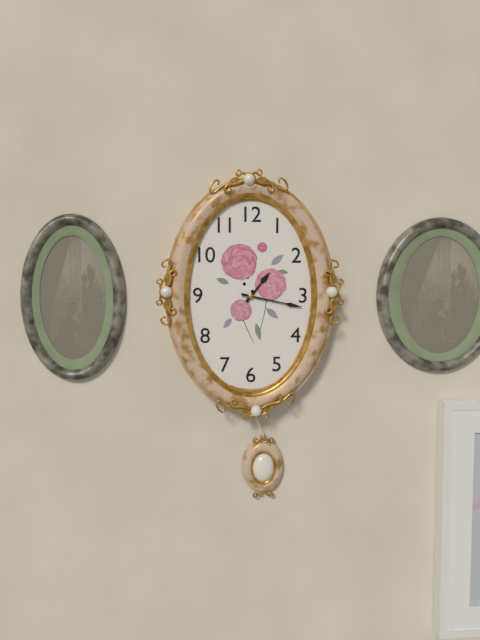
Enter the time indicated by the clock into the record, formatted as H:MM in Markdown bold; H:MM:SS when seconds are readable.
**1:17**
